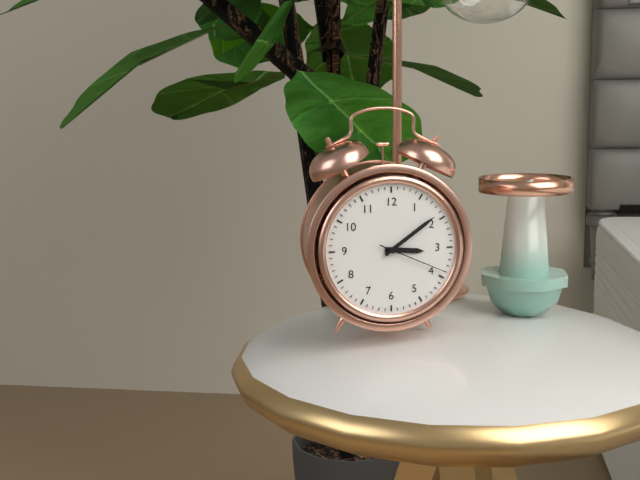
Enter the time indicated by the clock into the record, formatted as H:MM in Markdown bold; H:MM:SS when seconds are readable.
**3:09:19**
